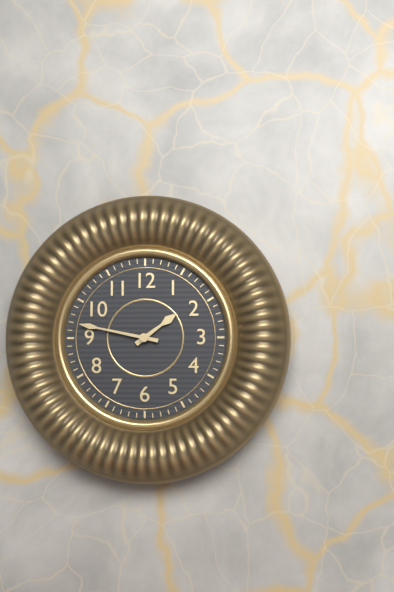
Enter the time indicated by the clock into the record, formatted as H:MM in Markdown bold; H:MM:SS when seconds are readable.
**1:47**
